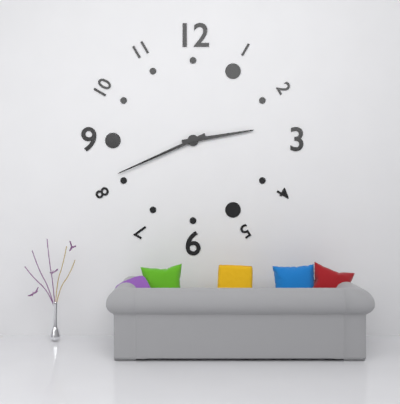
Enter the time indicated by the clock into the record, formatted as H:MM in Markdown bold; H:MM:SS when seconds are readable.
**2:41**
